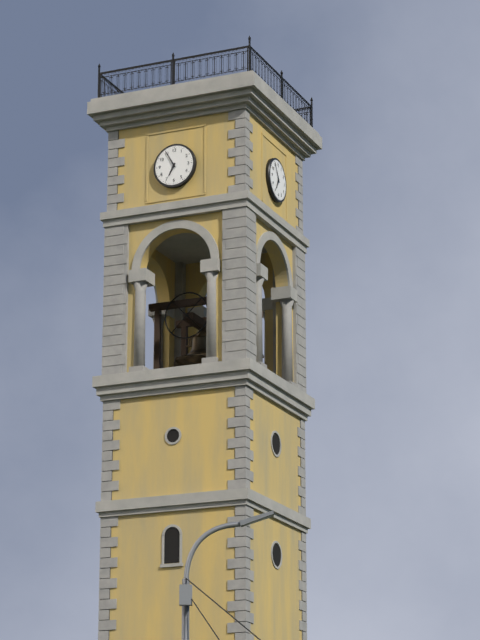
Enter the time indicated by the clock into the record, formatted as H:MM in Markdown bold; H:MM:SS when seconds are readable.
**6:55**
